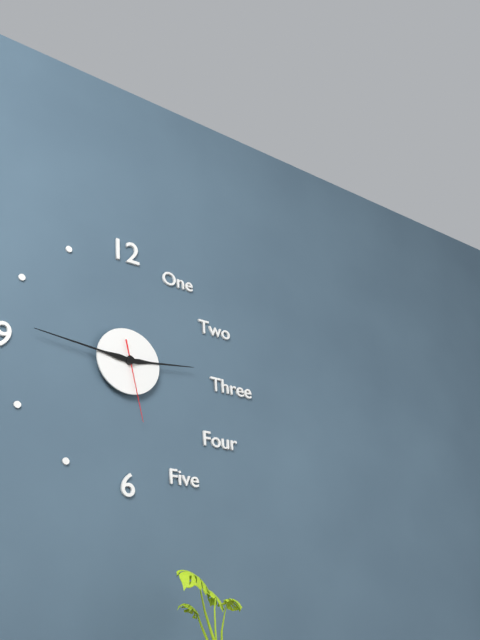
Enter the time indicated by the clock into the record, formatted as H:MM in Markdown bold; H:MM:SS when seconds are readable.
**2:46:28**
